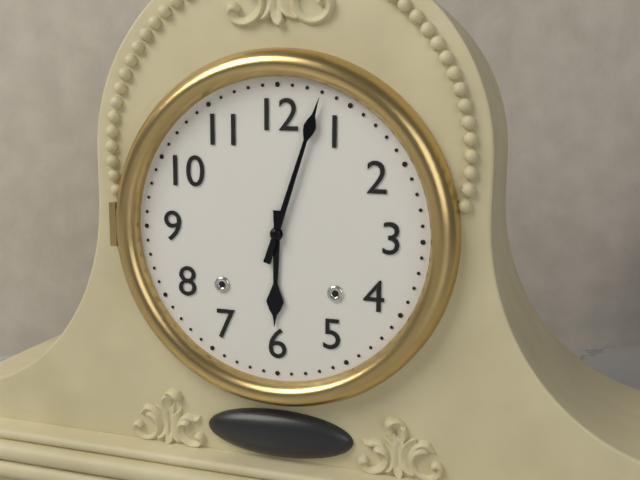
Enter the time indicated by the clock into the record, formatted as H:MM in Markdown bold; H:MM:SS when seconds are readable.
**6:03**
